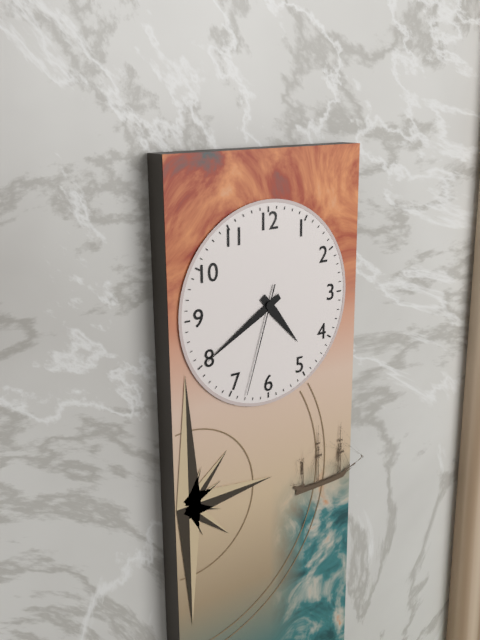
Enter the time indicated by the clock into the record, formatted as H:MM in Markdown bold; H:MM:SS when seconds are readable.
**4:40:33**
